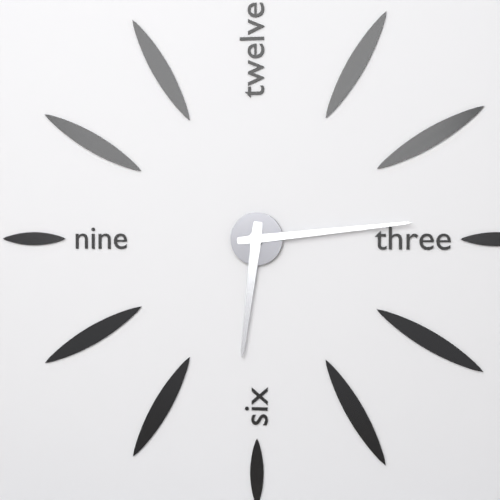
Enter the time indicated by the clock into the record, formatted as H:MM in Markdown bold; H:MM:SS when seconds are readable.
**6:14**
